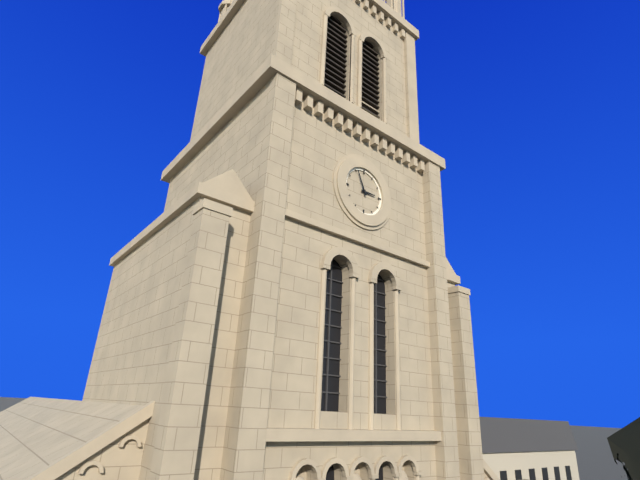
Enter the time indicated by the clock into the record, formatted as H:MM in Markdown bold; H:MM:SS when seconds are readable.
**2:56**
